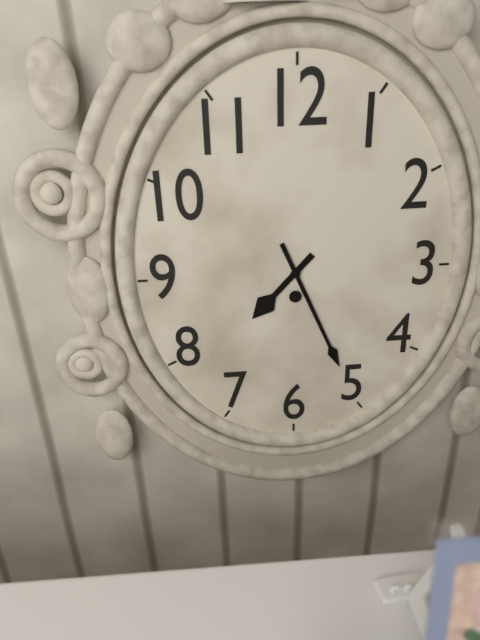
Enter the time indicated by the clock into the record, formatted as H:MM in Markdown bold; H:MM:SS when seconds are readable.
**7:26**
